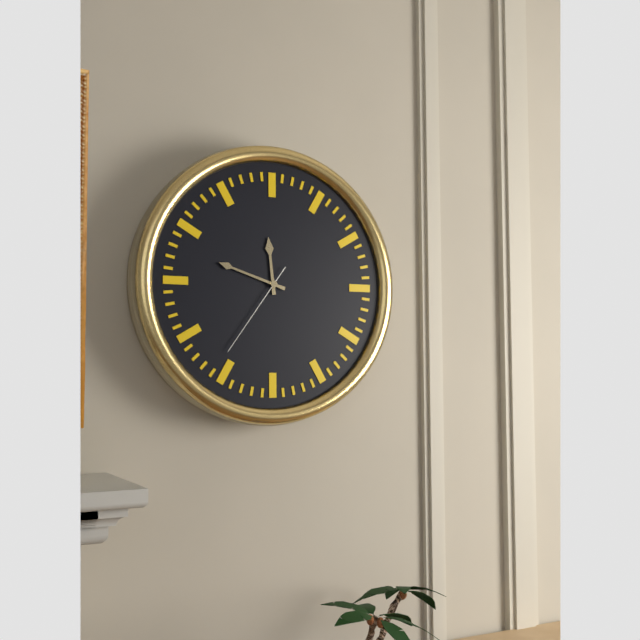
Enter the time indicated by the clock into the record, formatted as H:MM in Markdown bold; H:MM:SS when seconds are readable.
**11:48:36**
